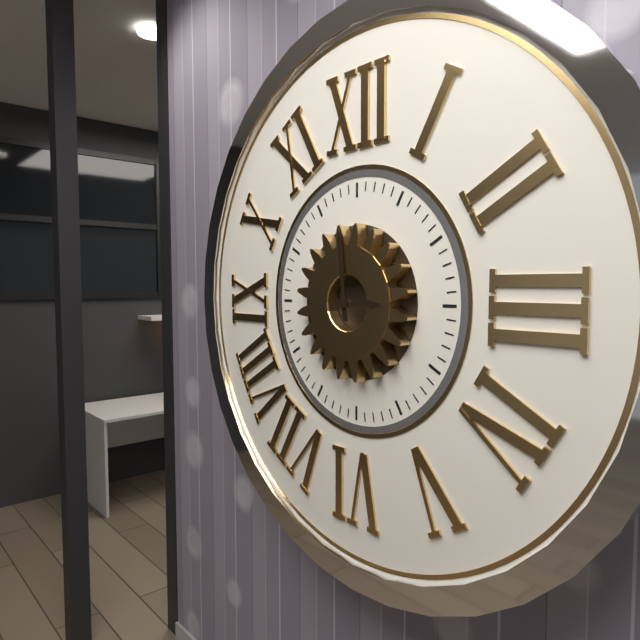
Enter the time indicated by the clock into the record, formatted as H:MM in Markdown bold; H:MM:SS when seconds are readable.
**2:59**
